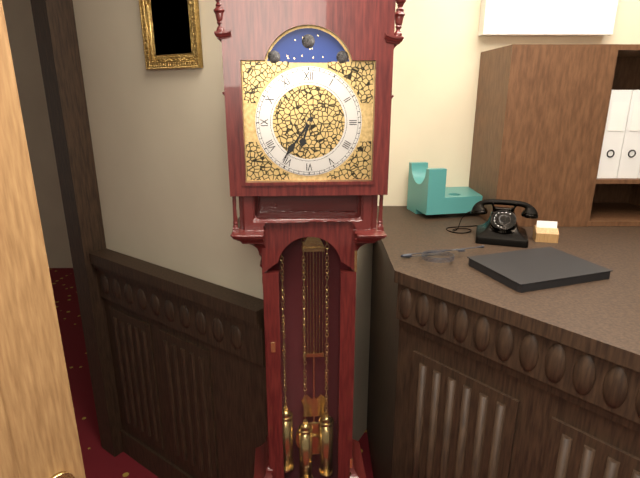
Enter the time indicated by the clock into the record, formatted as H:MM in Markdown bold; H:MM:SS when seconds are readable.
**6:36**
